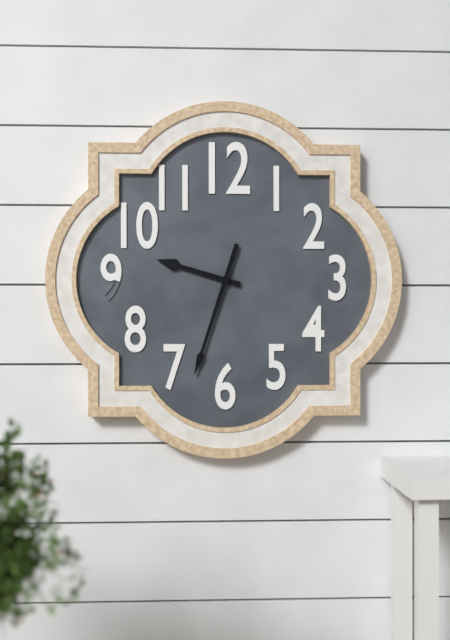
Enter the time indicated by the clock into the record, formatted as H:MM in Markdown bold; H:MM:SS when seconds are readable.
**9:33**
